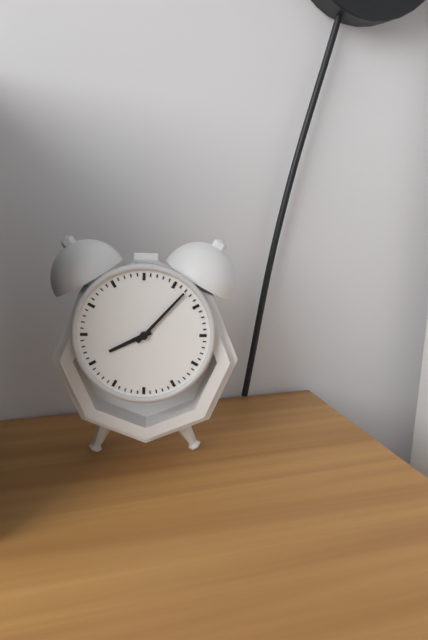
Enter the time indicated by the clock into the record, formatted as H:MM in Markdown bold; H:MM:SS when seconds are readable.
**8:07**
